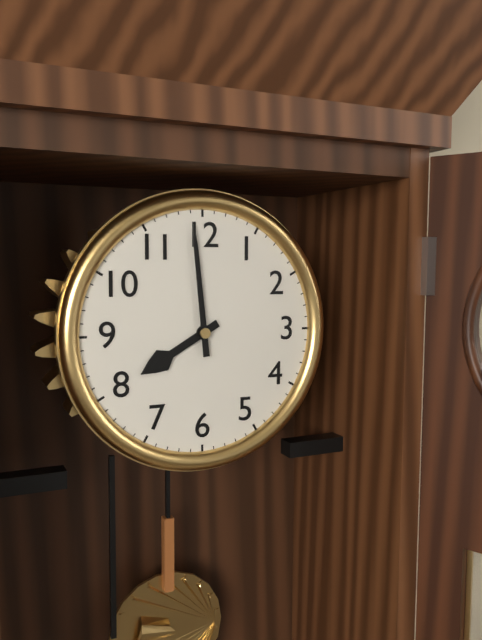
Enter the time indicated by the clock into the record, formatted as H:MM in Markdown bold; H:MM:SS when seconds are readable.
**7:59**
